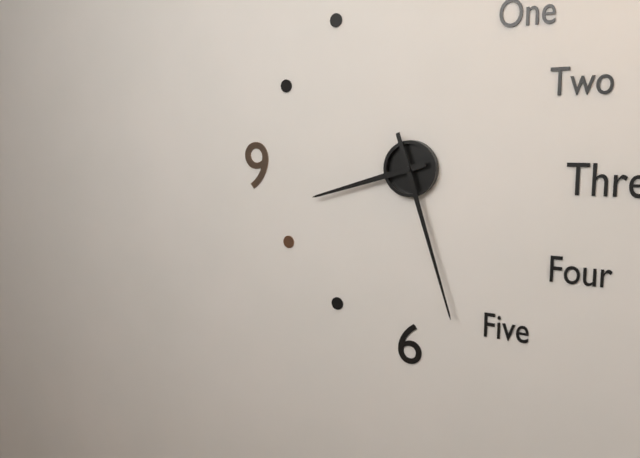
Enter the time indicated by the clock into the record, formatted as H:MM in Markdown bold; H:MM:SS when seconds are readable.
**8:27**
